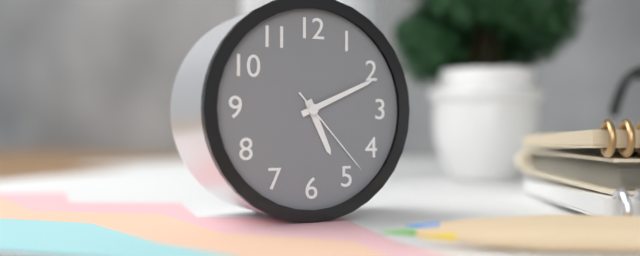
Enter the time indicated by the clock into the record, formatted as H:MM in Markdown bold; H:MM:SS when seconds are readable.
**5:11:23**
